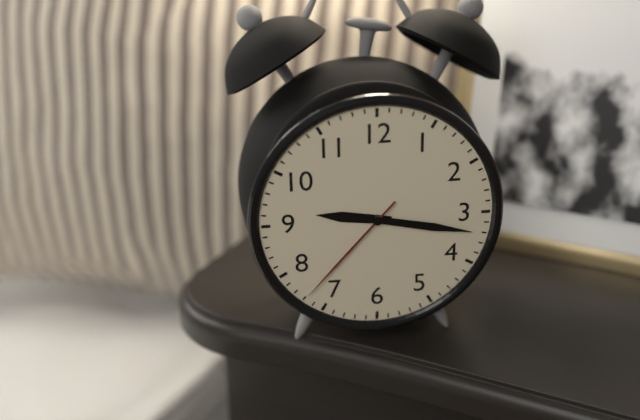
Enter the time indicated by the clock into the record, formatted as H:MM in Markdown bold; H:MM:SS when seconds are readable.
**9:17:37**
